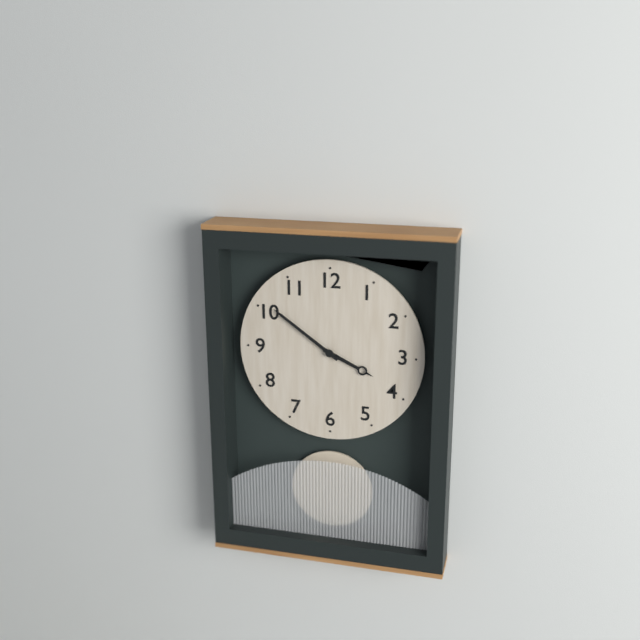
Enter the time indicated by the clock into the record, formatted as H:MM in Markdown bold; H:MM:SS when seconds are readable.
**3:51**
